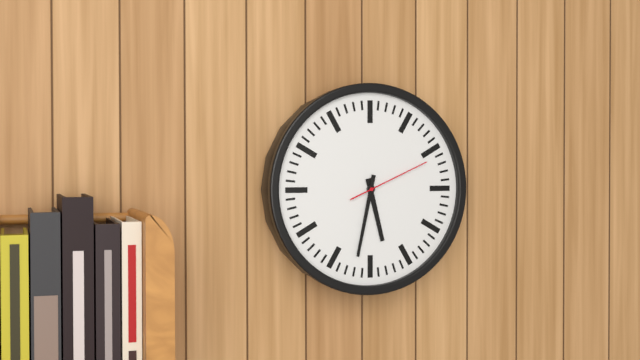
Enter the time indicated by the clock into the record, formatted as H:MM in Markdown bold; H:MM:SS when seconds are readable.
**5:32:11**
